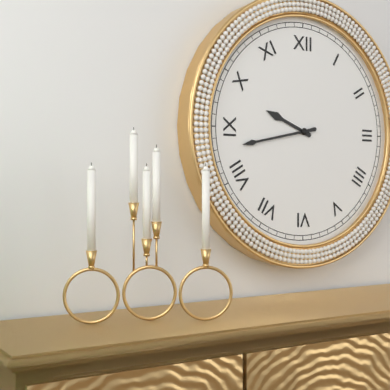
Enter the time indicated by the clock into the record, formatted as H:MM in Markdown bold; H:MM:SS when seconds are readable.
**9:43**
